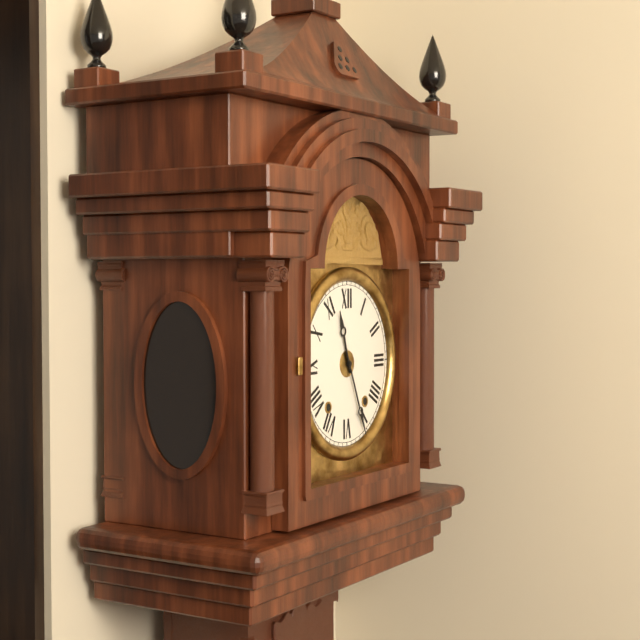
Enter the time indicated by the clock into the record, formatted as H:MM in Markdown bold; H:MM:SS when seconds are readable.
**11:26**
